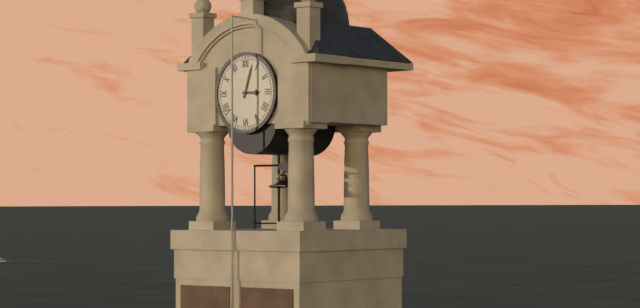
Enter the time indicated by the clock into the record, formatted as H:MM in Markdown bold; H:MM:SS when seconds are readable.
**3:03**
